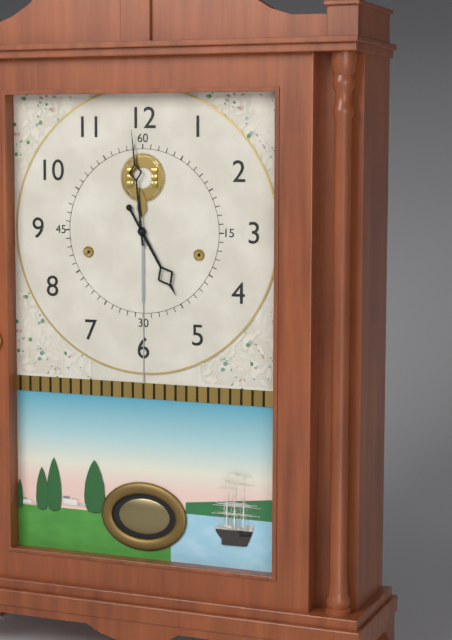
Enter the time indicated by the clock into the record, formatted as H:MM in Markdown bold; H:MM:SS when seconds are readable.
**4:59**
